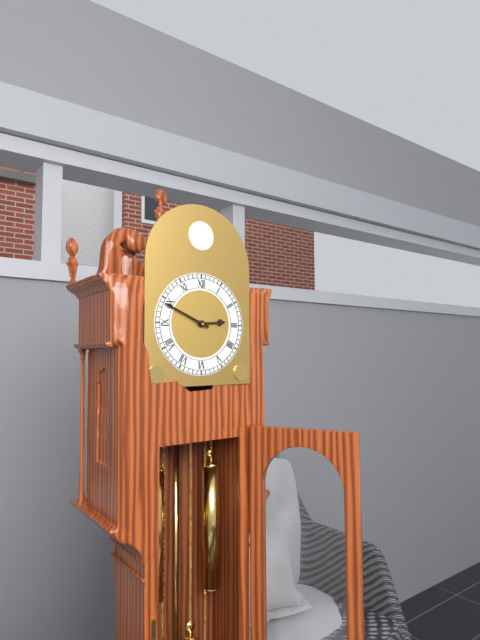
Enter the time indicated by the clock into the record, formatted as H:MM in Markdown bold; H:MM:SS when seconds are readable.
**2:49**
